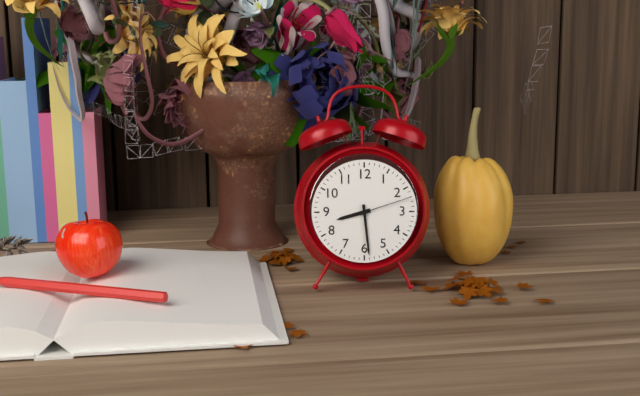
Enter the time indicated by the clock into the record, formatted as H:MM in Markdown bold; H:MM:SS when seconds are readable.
**8:29:12**
